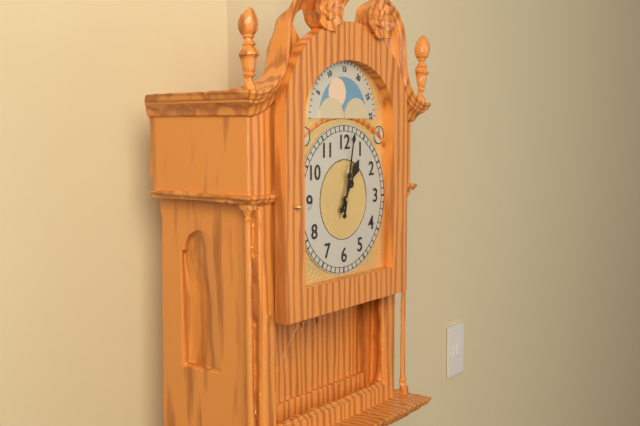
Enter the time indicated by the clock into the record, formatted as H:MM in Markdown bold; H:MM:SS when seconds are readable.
**1:02**
